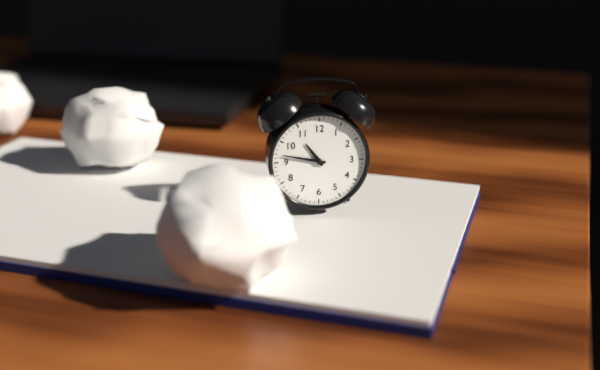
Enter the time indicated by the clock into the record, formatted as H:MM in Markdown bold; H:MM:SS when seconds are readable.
**10:47**
